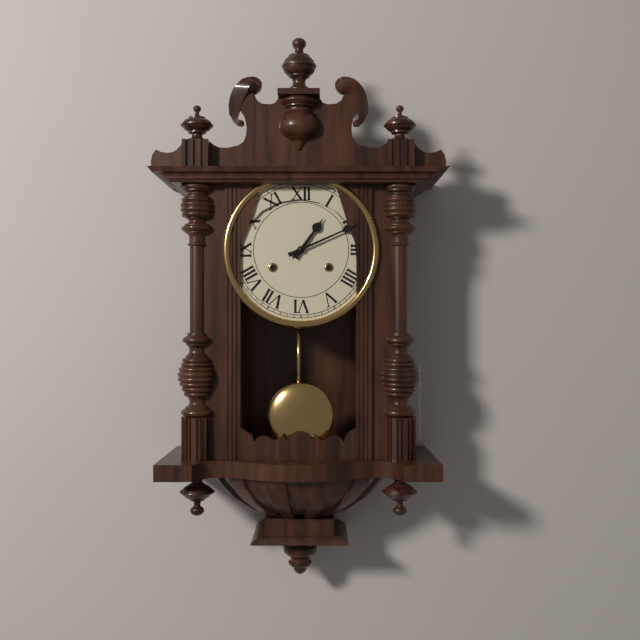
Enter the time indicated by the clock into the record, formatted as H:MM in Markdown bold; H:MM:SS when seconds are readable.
**1:11**
